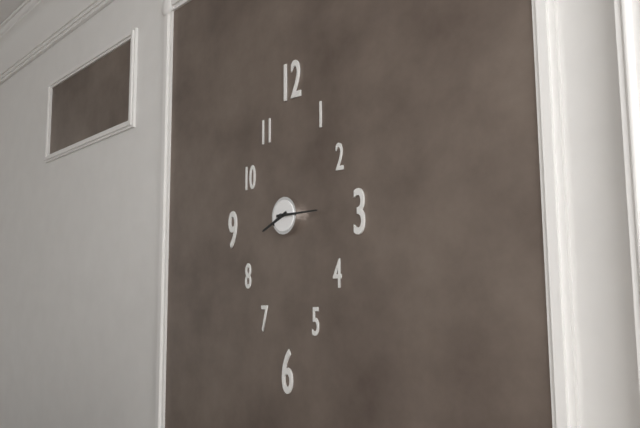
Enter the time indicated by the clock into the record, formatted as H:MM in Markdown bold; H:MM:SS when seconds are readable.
**8:15**
